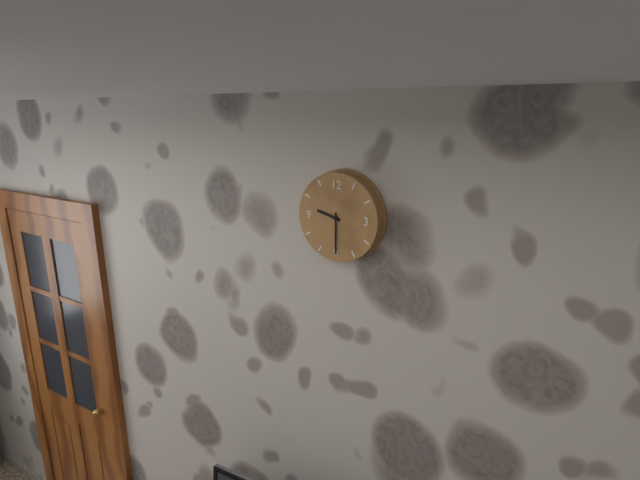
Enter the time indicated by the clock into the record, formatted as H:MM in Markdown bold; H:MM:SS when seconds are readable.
**9:30**
